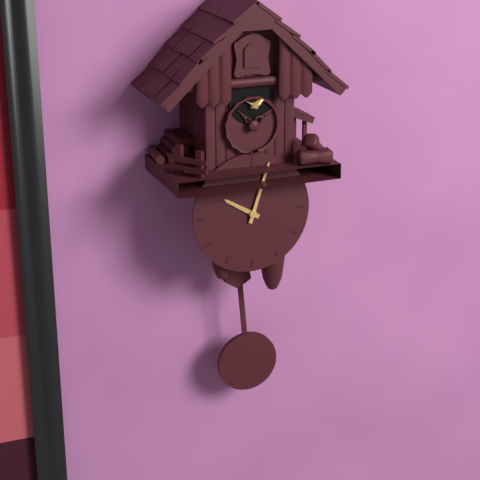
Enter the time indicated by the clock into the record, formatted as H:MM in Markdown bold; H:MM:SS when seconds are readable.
**10:03**
